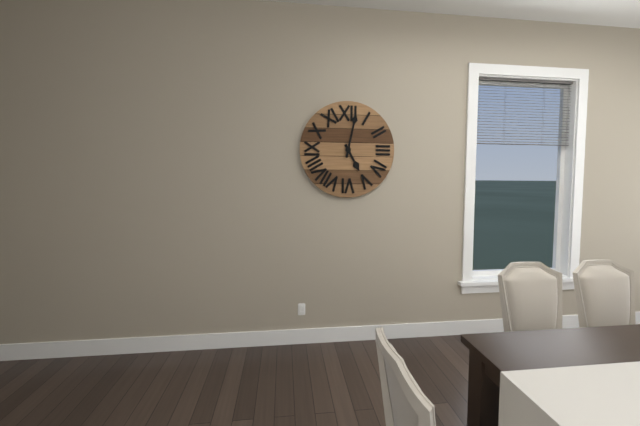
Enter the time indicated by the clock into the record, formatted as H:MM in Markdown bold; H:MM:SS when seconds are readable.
**5:02**
